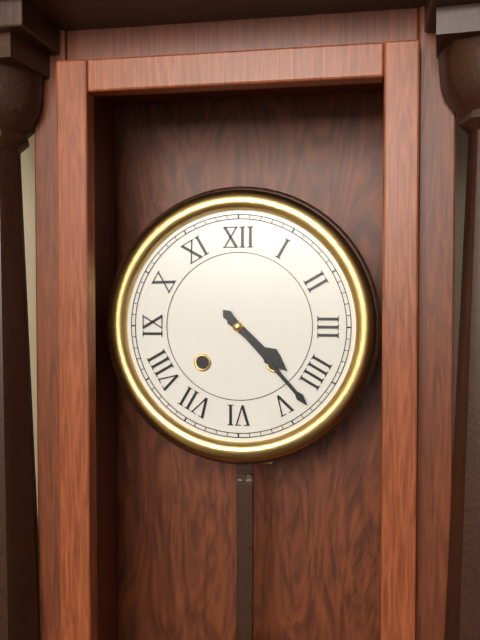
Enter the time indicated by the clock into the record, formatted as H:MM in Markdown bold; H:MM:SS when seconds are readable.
**4:23**
